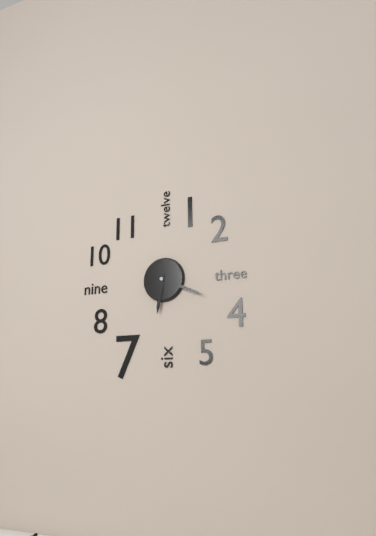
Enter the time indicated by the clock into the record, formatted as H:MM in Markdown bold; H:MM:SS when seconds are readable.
**6:19**
